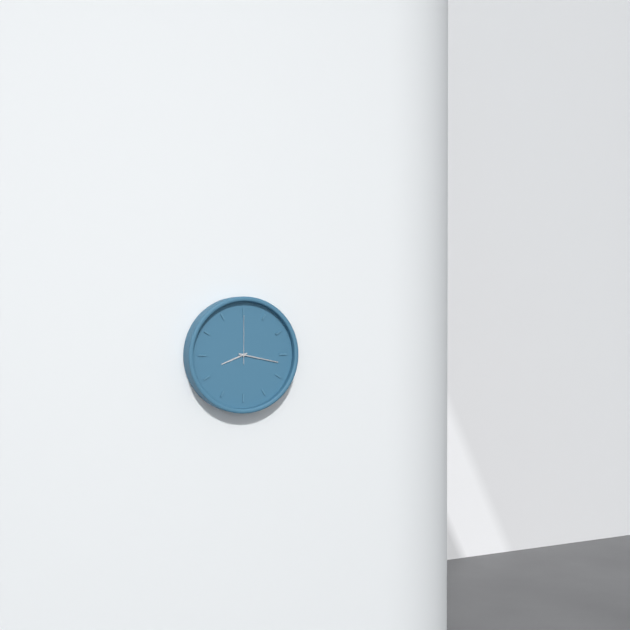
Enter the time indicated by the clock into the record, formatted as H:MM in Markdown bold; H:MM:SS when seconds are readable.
**8:17**
